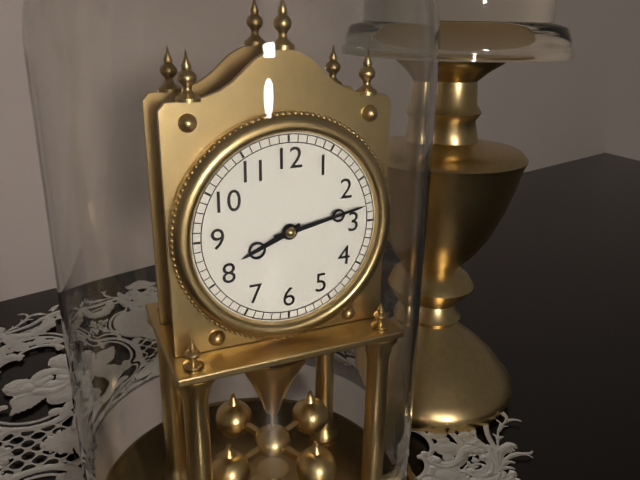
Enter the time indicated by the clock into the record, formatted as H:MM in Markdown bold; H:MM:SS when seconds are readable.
**8:13**
